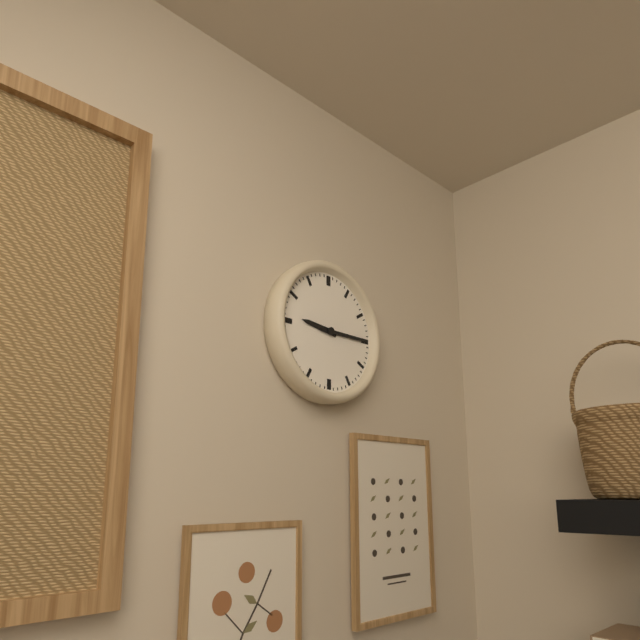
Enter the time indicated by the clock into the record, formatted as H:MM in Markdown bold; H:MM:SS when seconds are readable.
**9:15**
